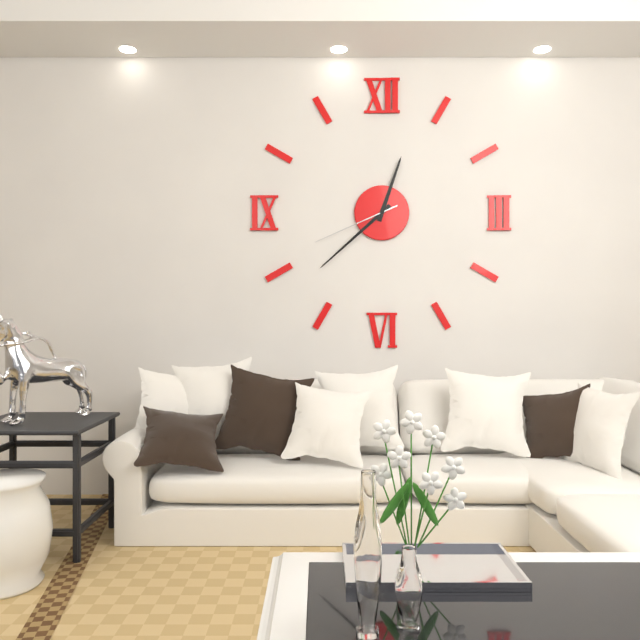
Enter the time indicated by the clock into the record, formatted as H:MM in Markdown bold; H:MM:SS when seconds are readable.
**12:38:41**
